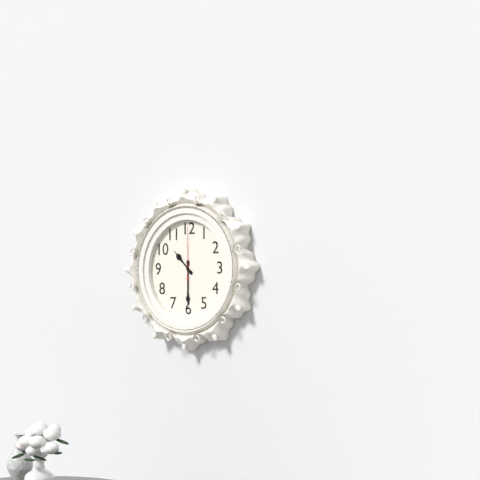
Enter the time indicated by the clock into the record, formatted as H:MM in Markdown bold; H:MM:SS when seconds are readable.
**10:30:00**
